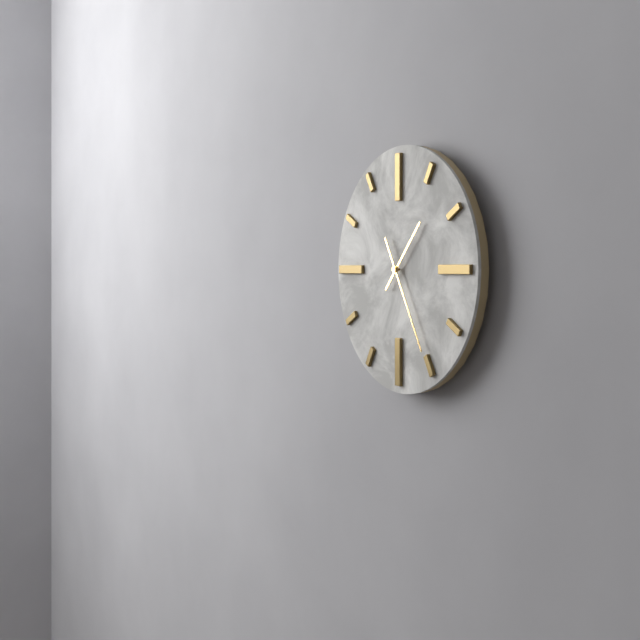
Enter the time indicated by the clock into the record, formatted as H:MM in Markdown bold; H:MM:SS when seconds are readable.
**1:25**
